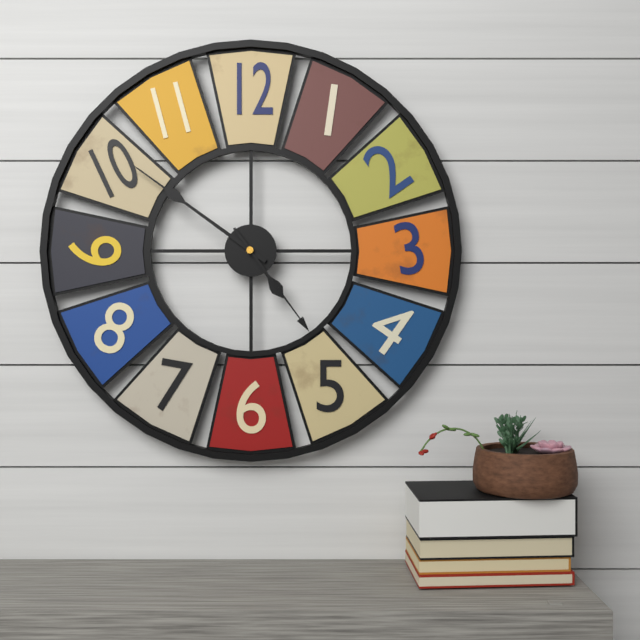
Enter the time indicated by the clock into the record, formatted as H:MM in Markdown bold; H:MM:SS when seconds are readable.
**4:51:24**
